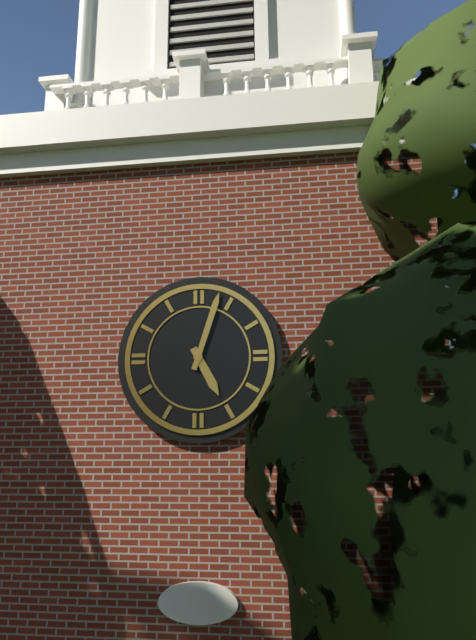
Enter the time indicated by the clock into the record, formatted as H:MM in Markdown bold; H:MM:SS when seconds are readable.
**5:03**
